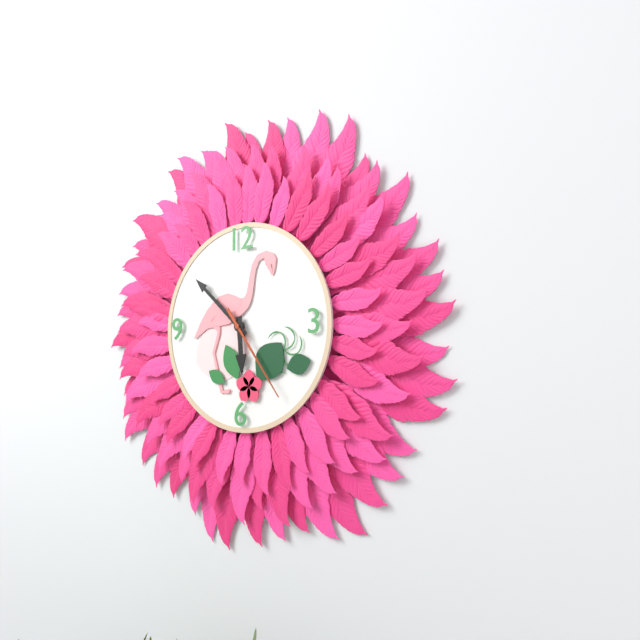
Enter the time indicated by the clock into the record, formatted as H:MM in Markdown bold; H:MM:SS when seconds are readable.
**5:52:24**
